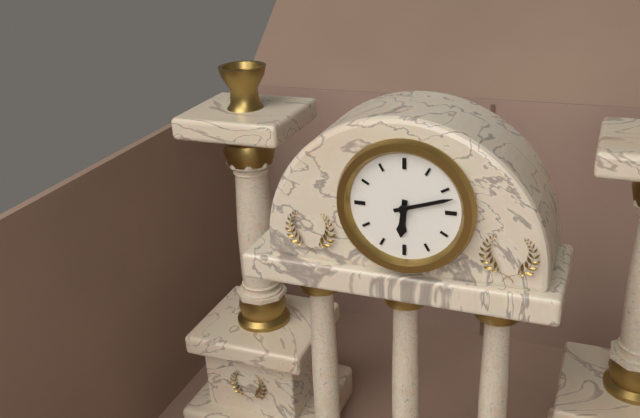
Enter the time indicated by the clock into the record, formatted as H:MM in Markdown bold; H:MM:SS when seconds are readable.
**6:12**
